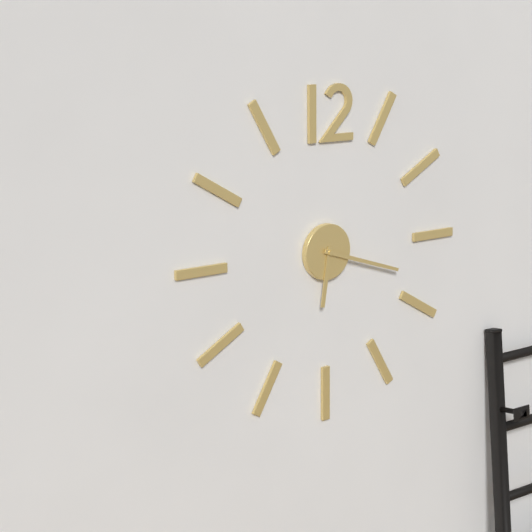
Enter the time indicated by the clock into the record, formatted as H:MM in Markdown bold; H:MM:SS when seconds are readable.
**6:18**
